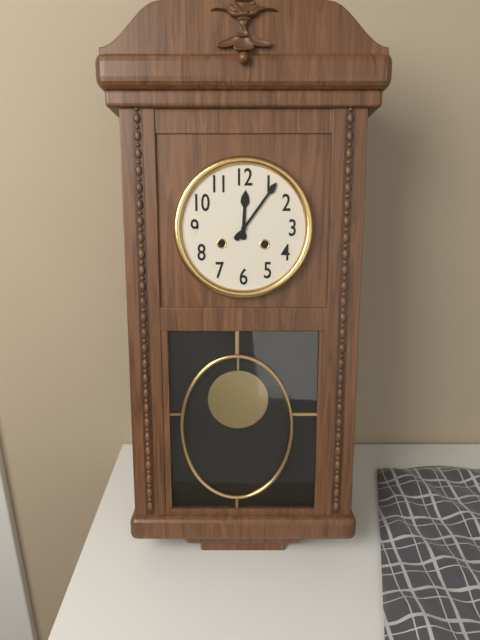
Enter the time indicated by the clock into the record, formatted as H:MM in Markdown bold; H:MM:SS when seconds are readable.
**12:06**
